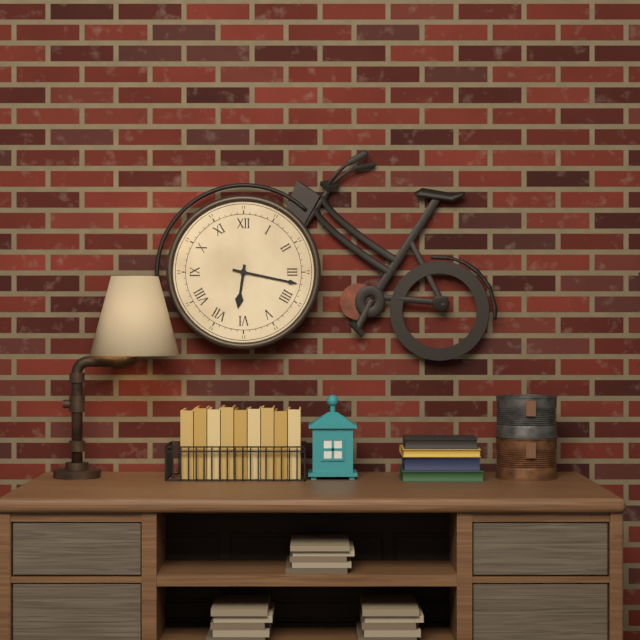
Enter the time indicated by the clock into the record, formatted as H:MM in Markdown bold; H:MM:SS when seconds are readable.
**6:17**
